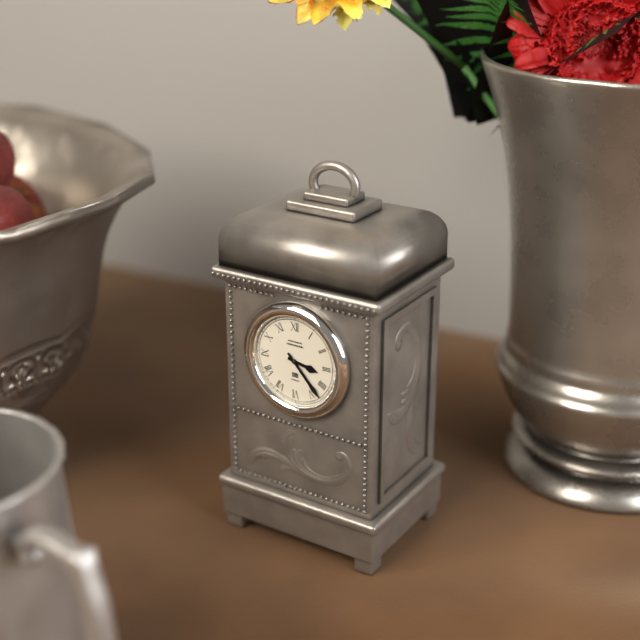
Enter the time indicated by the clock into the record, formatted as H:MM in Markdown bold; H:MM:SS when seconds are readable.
**3:23**
